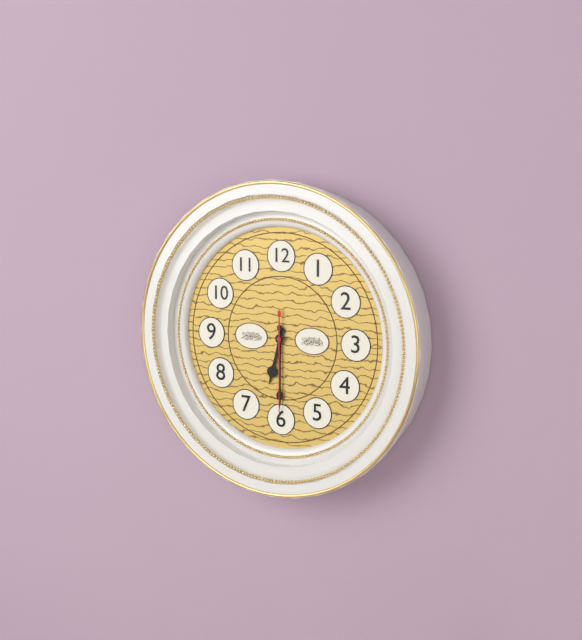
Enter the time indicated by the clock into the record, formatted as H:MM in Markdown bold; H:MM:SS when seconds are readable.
**6:30:30**
